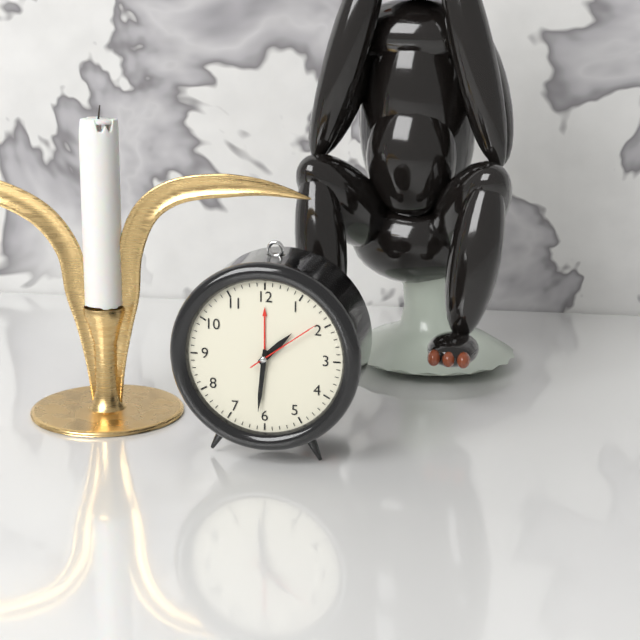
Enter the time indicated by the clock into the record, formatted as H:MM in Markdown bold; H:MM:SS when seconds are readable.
**1:31:09**
